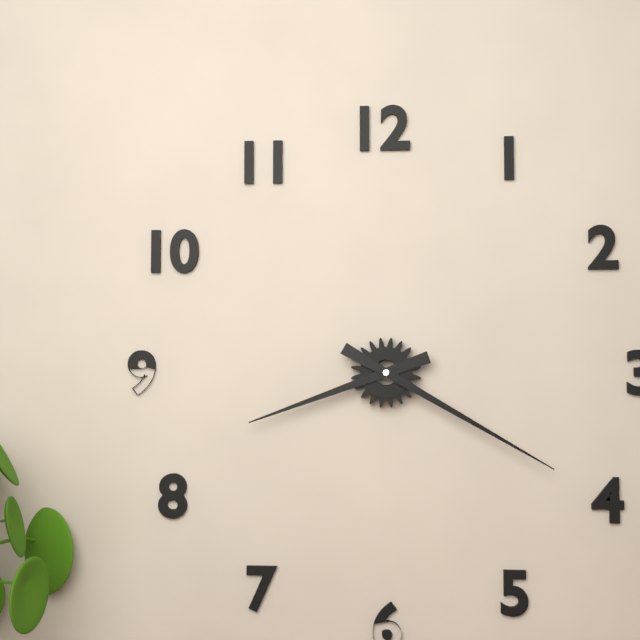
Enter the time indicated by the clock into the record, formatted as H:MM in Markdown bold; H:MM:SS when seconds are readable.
**8:20**
